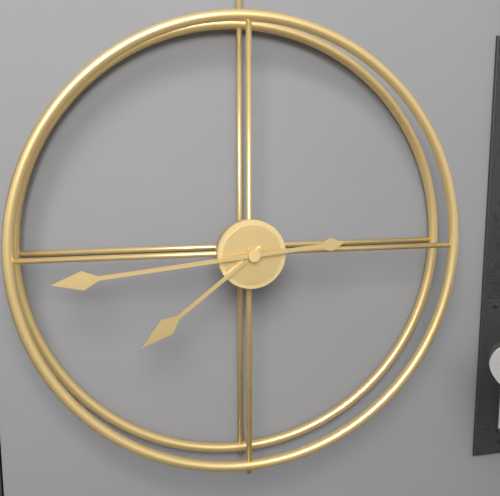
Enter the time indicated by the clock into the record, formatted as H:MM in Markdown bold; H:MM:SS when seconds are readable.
**7:44**
